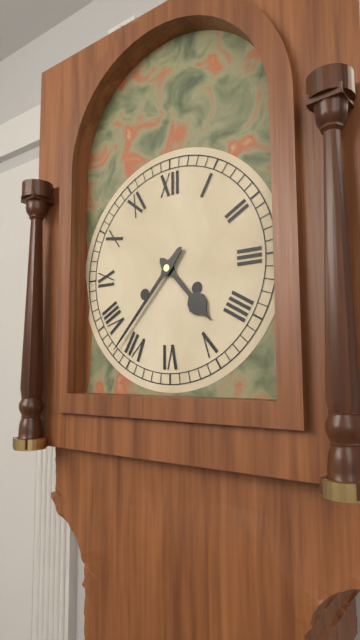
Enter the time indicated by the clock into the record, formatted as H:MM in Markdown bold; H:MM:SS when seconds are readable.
**4:37**
